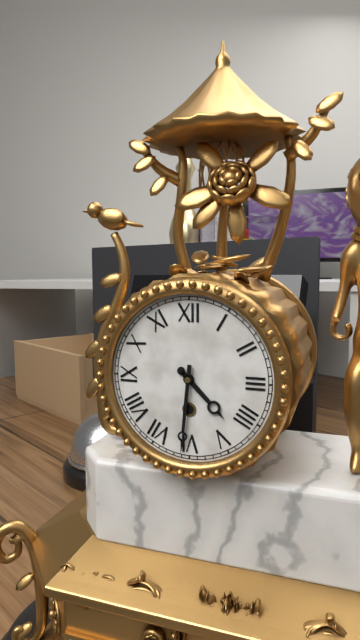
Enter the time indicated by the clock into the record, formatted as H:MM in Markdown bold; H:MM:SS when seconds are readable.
**4:31**
